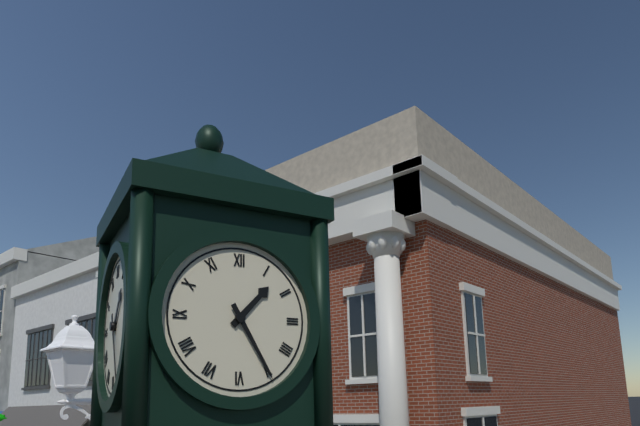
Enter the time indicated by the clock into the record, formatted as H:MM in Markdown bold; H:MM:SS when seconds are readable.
**1:25**
